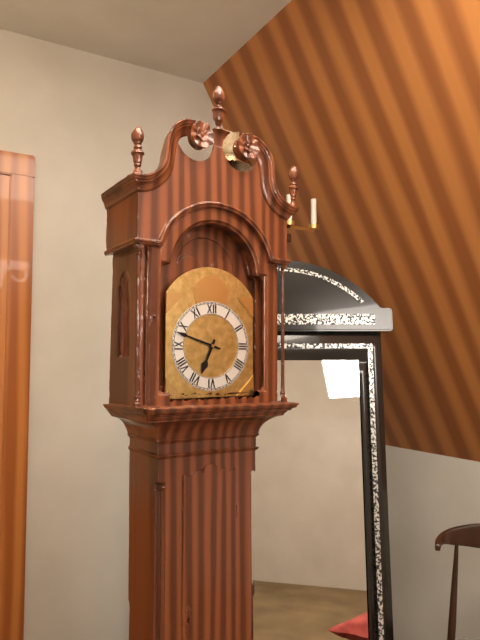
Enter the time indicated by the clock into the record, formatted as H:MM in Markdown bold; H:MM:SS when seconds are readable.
**6:48**
